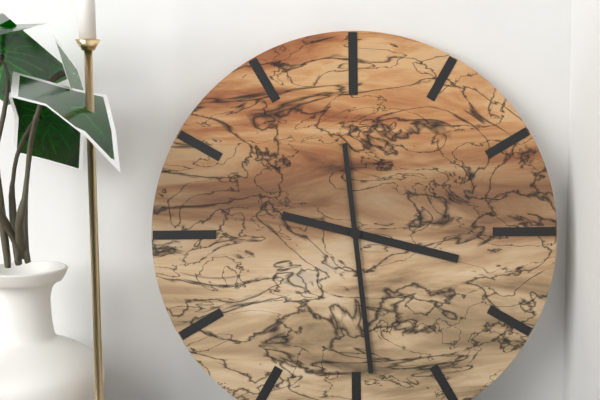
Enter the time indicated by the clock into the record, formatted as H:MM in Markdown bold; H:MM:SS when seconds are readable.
**3:29**
